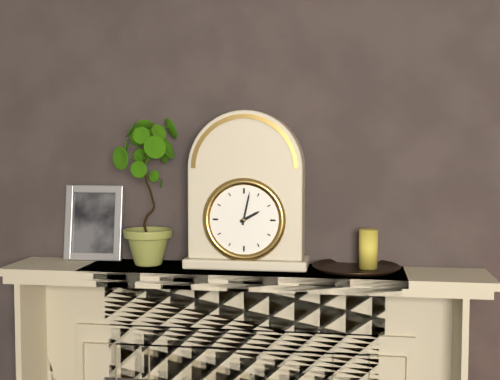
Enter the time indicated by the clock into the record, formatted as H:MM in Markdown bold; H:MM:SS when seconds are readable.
**2:02**
